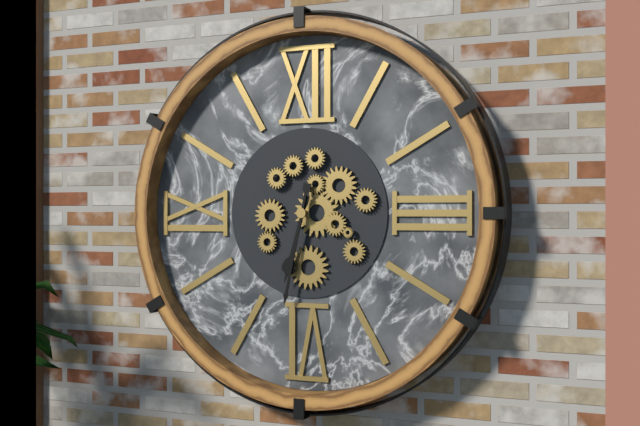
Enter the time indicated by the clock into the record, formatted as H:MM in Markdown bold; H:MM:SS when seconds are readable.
**6:32**
